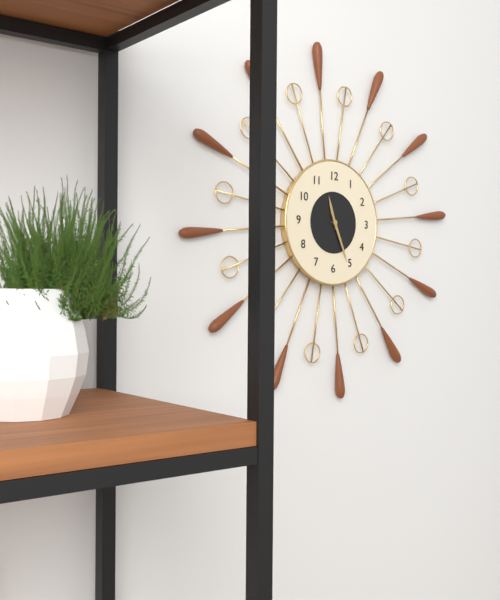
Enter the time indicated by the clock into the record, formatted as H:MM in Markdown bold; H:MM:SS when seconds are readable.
**11:26**
